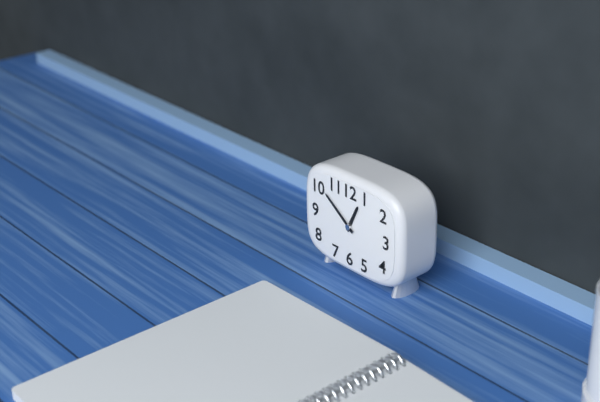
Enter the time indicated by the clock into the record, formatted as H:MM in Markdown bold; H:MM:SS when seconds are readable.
**12:51**
